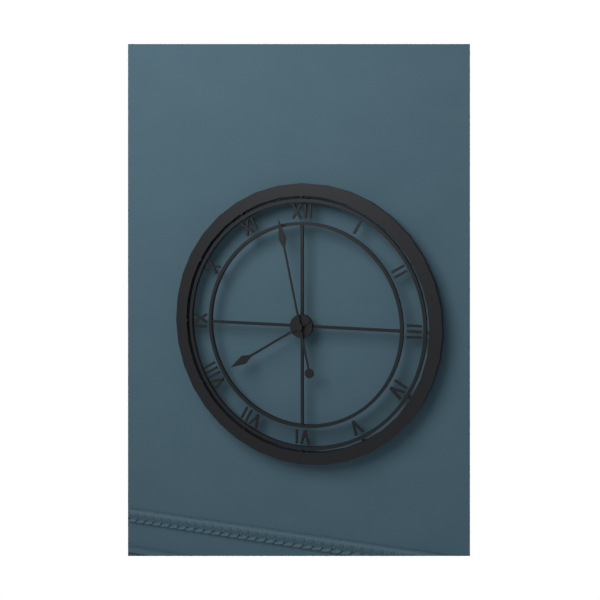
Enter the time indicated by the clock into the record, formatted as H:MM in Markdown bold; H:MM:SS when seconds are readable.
**7:58**
